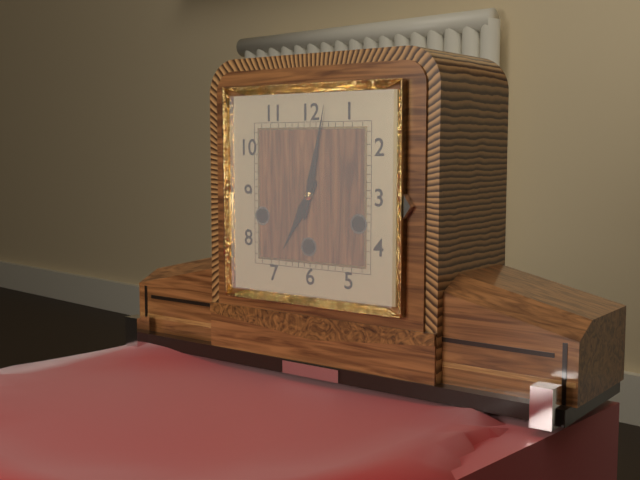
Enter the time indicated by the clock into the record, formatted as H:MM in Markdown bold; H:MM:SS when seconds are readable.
**7:02**
